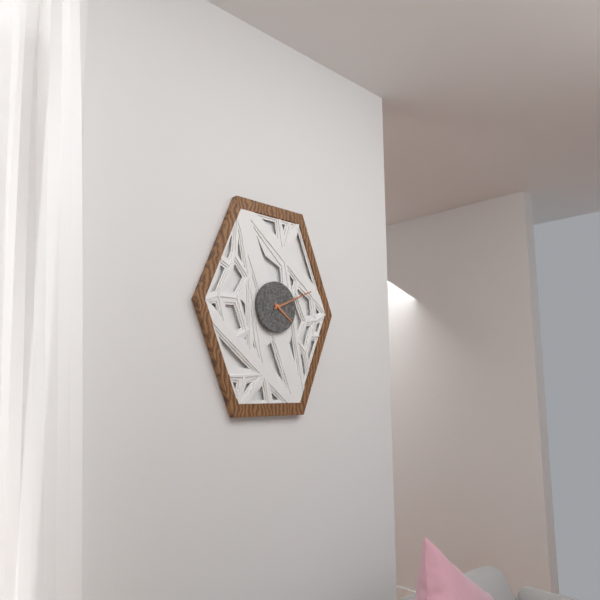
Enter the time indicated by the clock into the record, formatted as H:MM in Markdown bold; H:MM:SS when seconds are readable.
**4:11**
